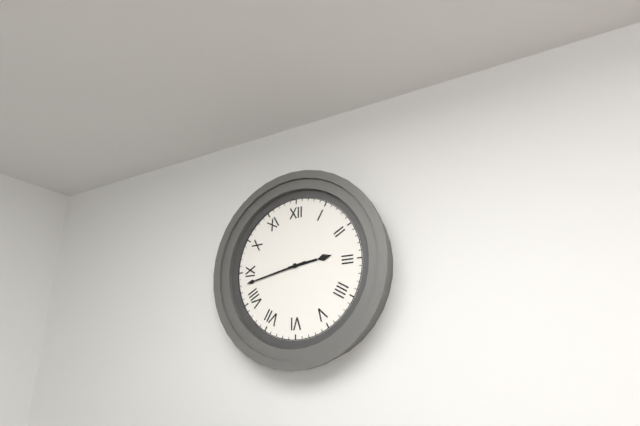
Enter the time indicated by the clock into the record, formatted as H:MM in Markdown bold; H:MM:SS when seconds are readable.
**2:43**
